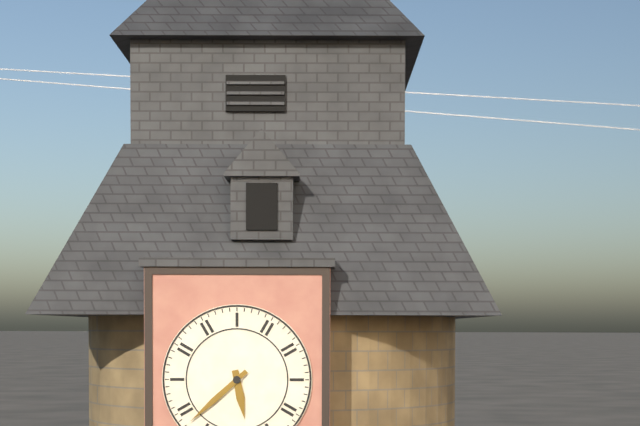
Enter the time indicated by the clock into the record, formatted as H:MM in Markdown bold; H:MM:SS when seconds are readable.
**5:38**
